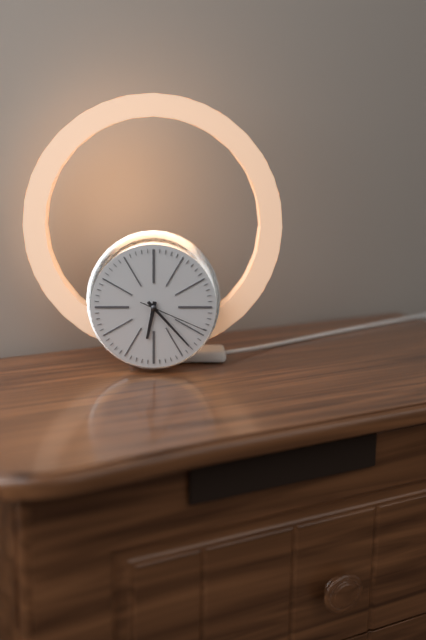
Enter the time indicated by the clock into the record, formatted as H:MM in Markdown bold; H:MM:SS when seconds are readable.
**6:23:19**
